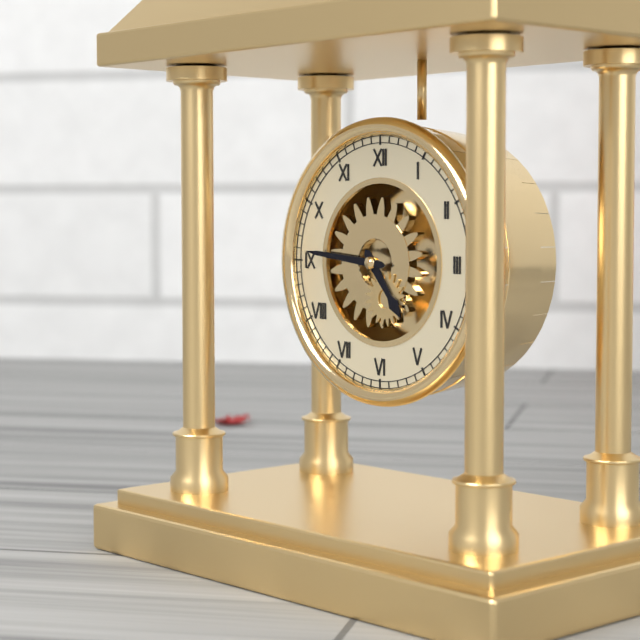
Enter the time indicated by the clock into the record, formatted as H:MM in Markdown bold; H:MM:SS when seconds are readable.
**4:46**
